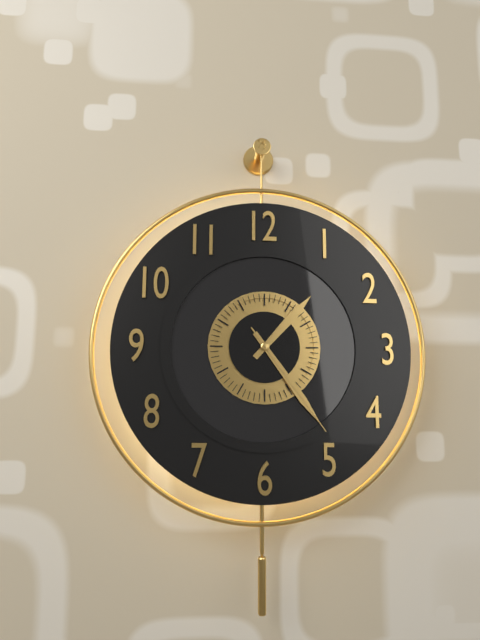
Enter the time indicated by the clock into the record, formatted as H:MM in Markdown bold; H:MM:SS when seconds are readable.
**1:24:24**
